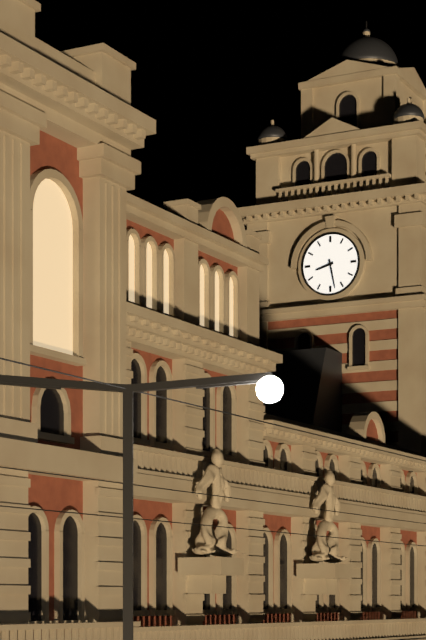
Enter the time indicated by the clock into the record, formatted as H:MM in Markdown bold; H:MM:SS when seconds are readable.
**8:28**
